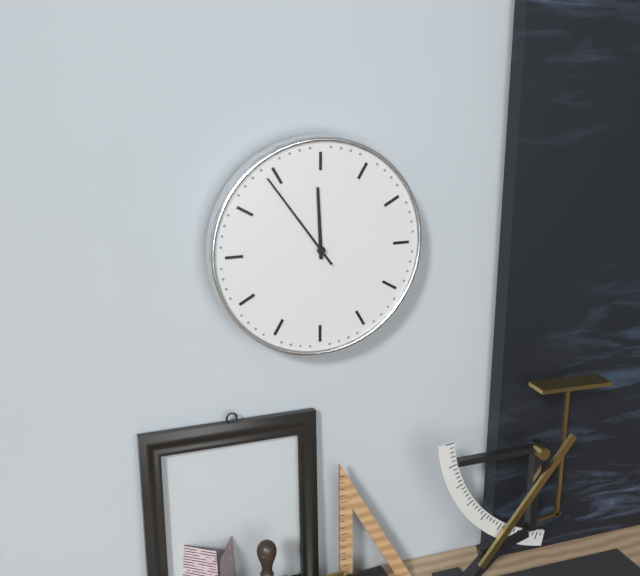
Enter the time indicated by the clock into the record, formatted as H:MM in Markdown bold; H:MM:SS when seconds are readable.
**11:54**
